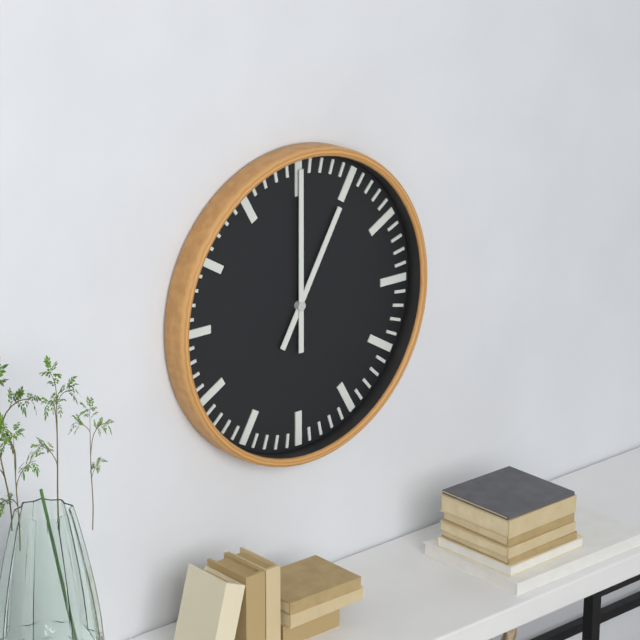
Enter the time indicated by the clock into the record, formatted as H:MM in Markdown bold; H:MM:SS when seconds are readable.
**1:00**
